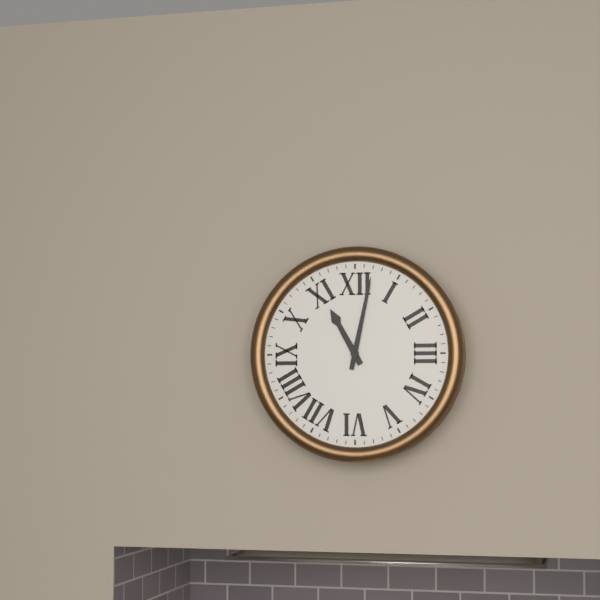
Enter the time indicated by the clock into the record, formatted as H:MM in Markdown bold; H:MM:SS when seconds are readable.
**11:02**
